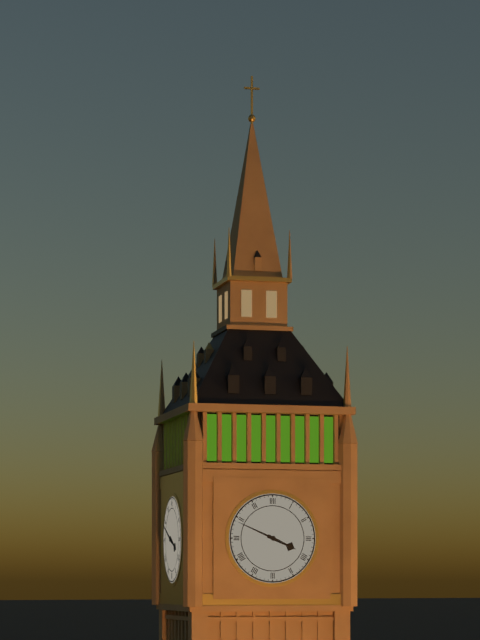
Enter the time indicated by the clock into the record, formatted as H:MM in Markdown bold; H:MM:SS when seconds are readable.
**3:49**
